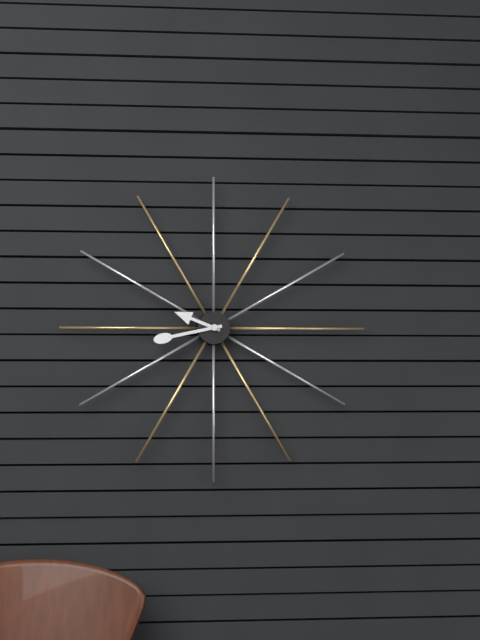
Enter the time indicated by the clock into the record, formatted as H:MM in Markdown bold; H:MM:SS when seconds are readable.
**9:43**
